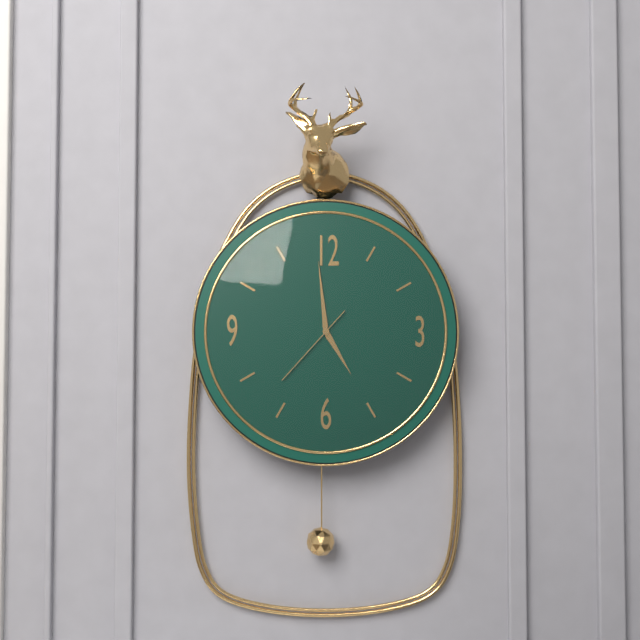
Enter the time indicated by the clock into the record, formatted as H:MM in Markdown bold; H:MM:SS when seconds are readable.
**4:59:37**
